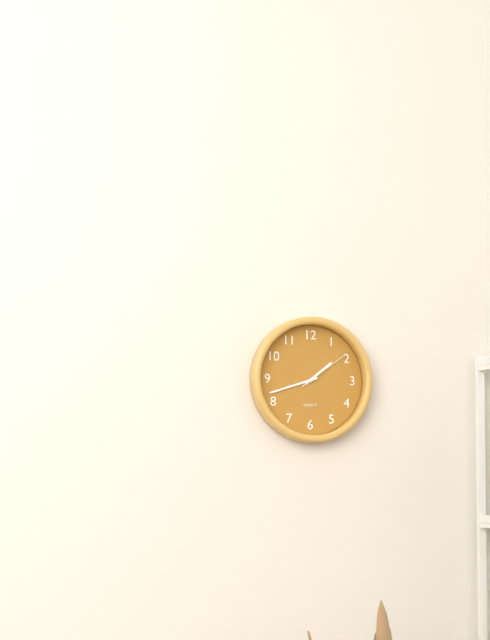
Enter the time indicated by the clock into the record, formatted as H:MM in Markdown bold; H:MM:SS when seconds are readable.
**1:42:09**
